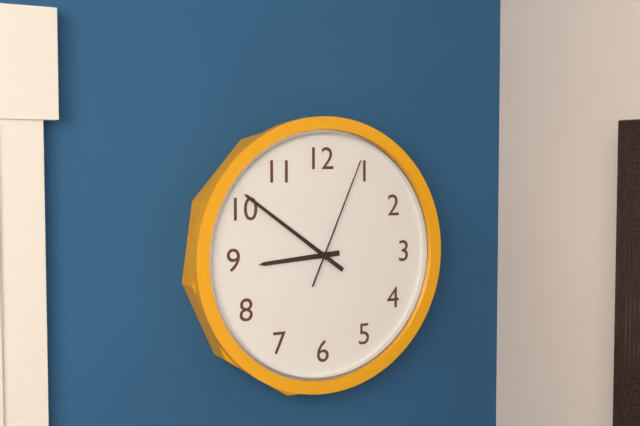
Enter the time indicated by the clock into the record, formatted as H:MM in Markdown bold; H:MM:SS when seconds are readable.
**8:51:04**
